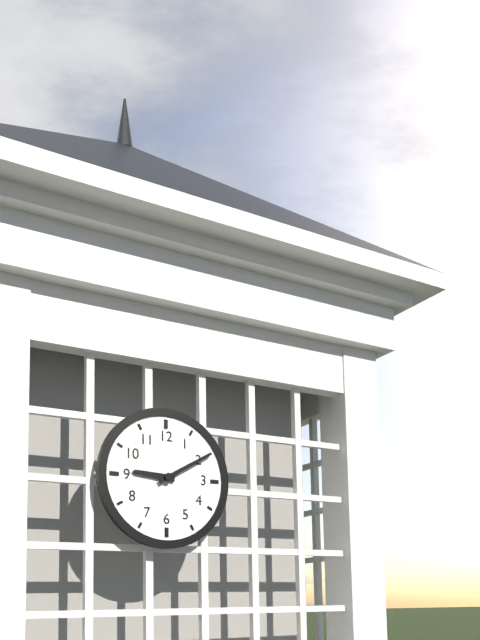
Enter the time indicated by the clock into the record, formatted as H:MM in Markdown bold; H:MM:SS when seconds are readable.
**9:10**
